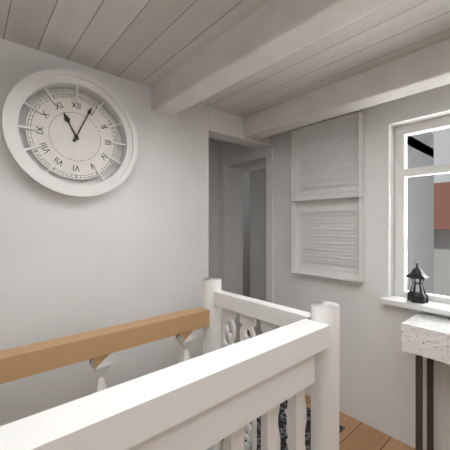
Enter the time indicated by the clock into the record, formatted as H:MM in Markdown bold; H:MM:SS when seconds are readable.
**11:04**
